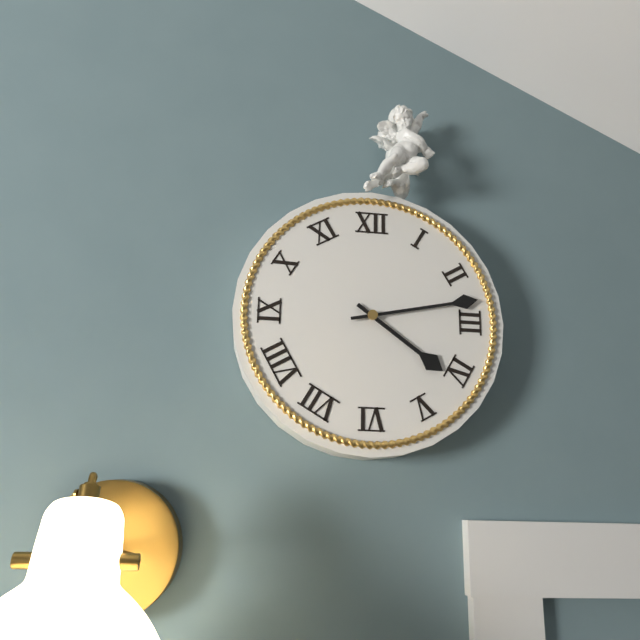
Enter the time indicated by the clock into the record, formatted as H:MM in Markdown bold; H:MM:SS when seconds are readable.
**4:13**
